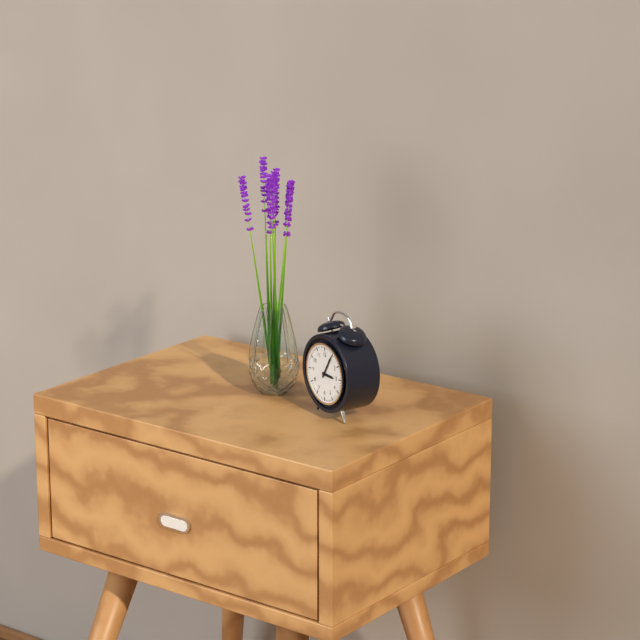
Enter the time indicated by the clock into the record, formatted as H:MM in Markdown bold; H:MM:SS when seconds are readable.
**3:05**
